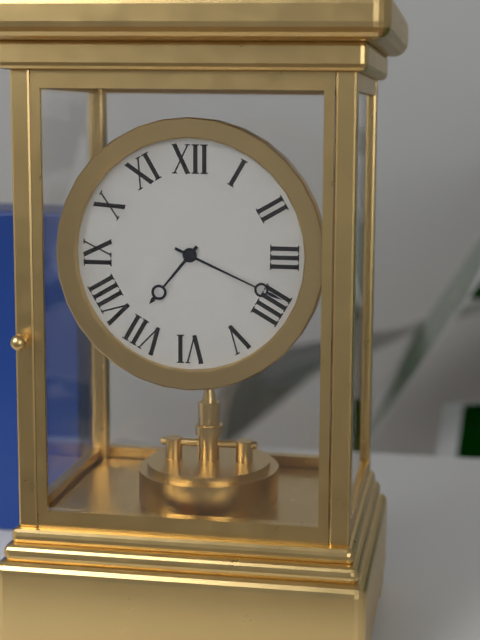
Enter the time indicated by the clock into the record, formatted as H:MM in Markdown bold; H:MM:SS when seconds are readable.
**7:19**
